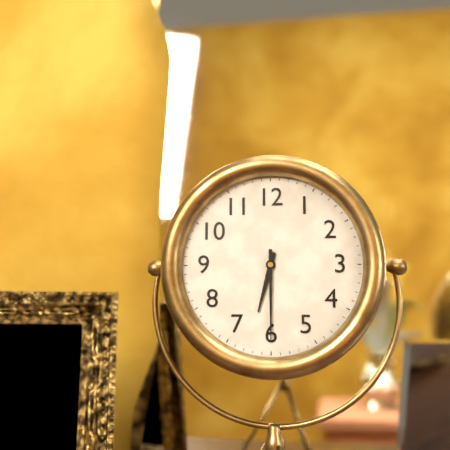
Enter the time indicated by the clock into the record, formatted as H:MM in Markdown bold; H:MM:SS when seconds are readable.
**6:30**
